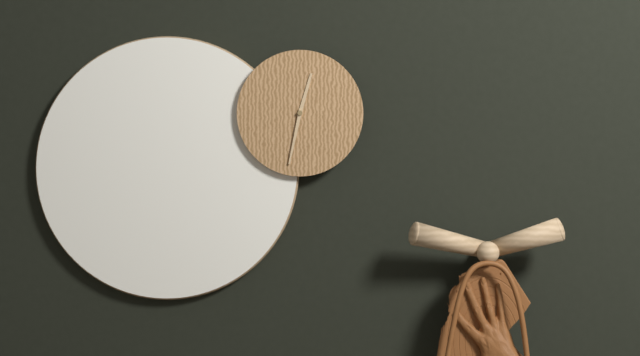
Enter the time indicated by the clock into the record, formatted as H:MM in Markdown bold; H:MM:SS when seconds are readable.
**12:32**
